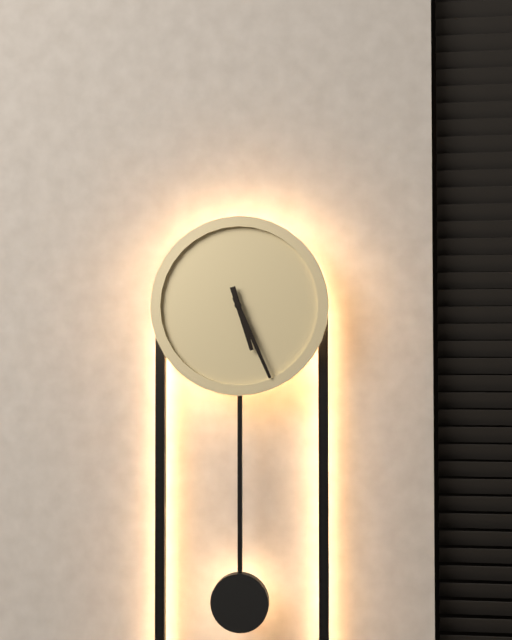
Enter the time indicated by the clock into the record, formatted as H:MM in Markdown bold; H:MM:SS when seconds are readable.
**5:26**
